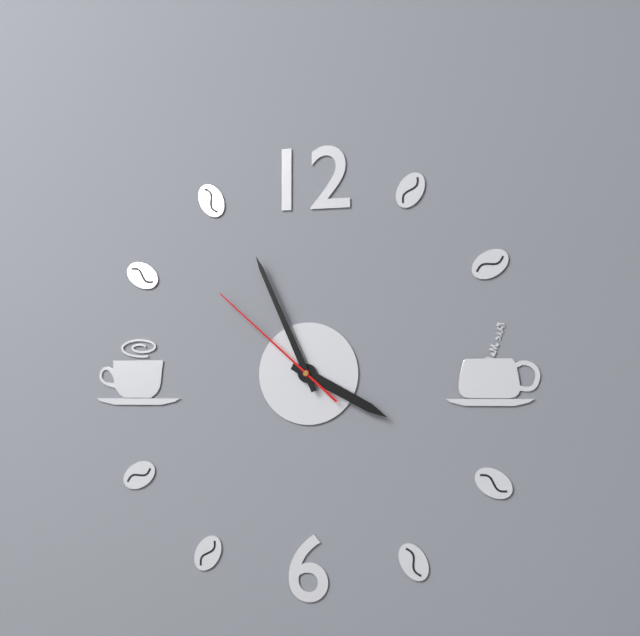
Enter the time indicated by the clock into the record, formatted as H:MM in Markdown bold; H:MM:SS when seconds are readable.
**3:56:52**
